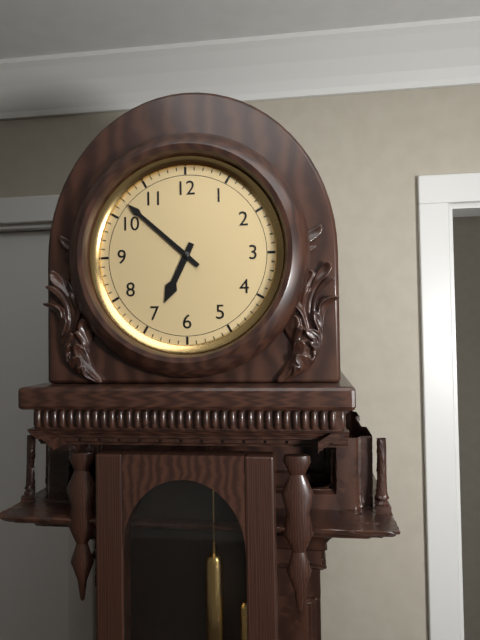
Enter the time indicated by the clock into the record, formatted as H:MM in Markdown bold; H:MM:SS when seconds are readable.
**6:52**
